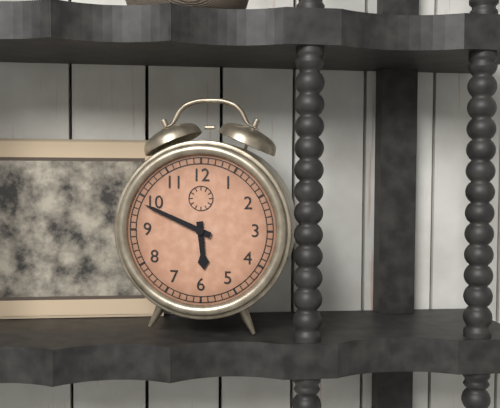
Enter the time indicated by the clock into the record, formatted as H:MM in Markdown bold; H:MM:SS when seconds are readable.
**5:49**
